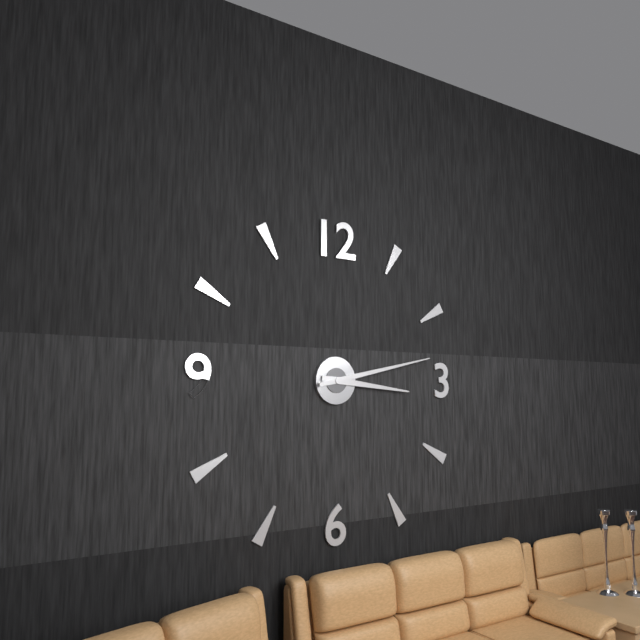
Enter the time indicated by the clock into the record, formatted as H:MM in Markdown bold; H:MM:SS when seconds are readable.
**3:13**
